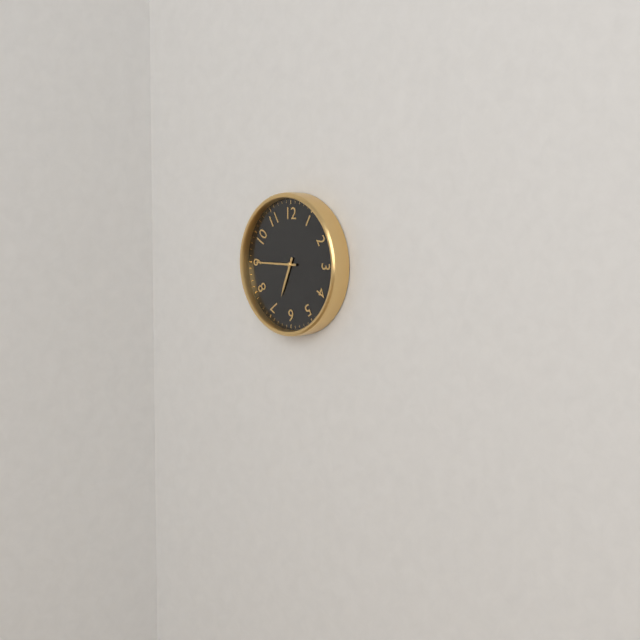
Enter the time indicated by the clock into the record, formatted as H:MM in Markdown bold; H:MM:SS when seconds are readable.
**6:45**
